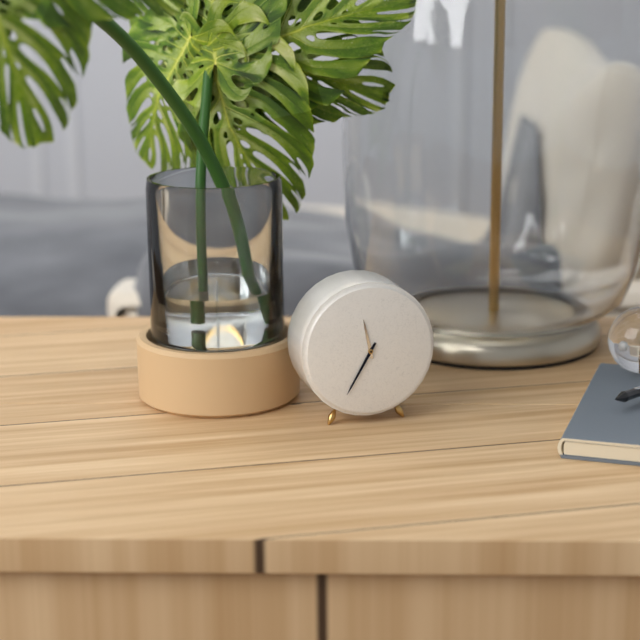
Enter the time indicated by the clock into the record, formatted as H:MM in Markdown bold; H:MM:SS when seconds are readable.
**11:35**
